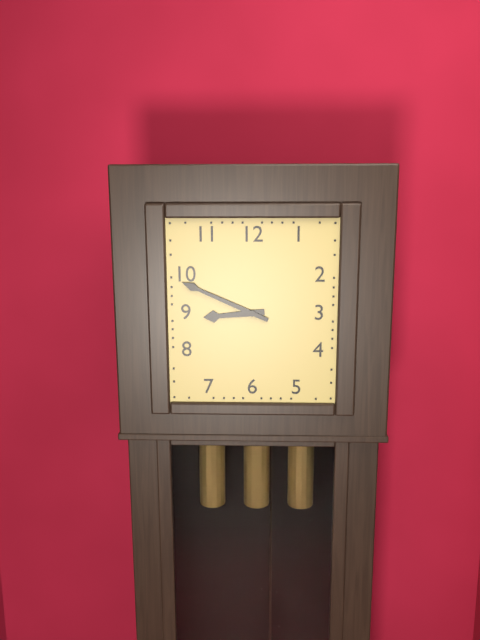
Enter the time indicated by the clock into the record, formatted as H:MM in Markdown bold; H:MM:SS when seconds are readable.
**8:49**
